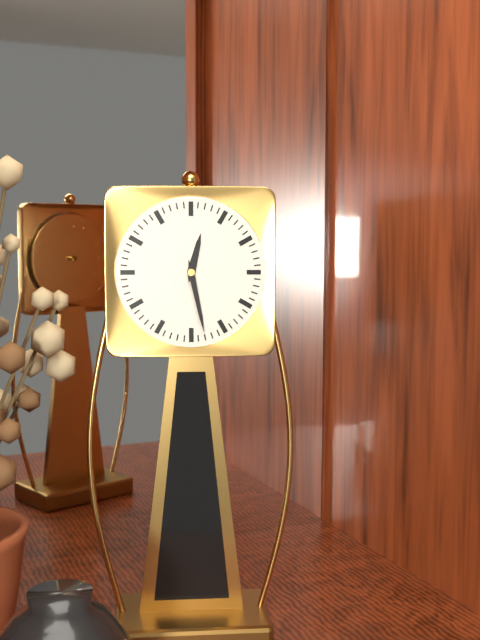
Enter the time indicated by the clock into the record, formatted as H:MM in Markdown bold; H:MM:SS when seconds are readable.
**12:28**
